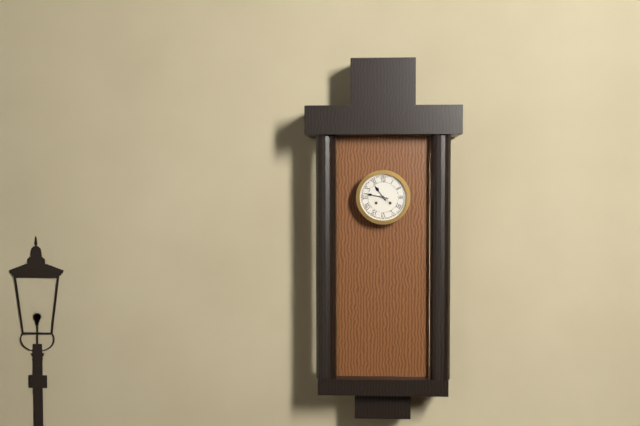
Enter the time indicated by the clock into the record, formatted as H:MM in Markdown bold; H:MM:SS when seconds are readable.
**10:47**
